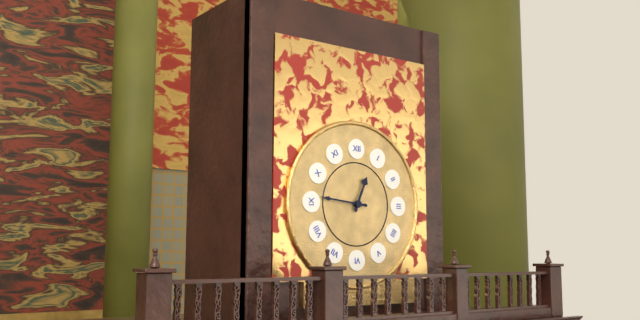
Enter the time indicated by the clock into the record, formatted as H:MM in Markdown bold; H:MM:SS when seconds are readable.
**12:46**
